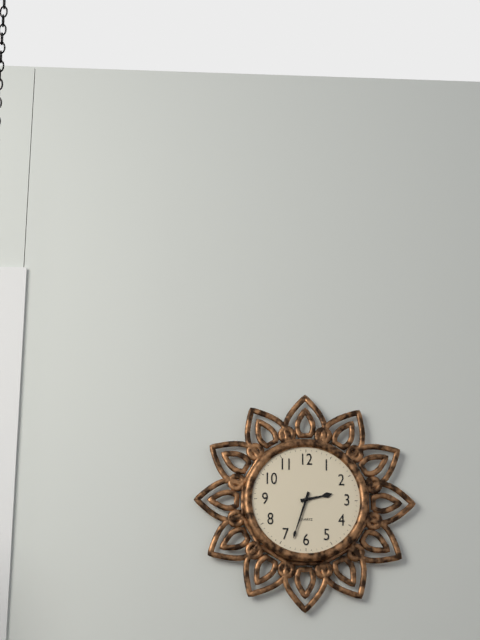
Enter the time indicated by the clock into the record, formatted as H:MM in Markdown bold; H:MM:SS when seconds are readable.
**2:33**
